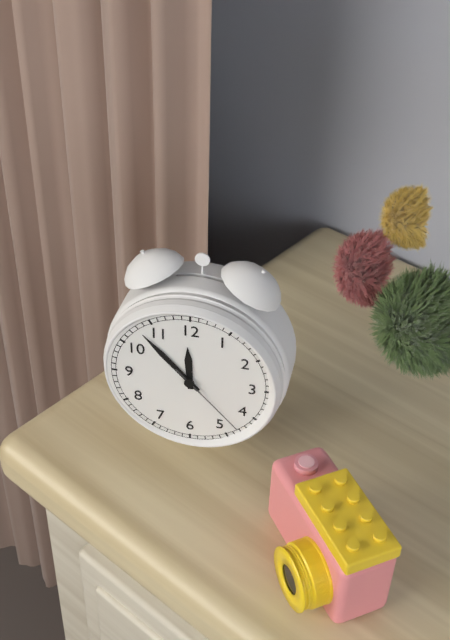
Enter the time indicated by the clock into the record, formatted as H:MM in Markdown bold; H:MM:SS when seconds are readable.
**11:53:23**
